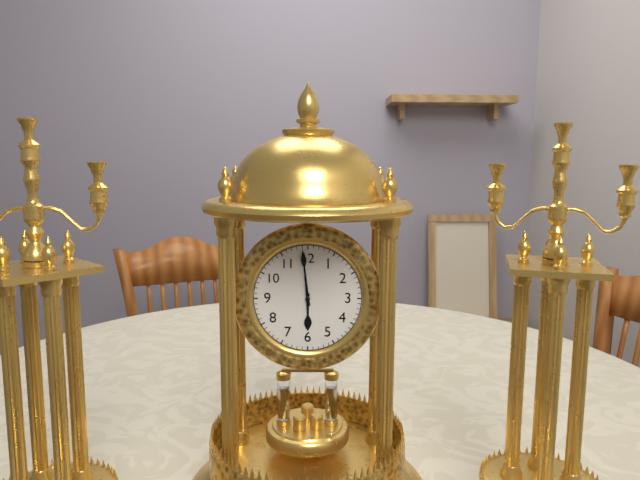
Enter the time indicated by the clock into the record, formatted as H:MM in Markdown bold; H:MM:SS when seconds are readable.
**5:59**
